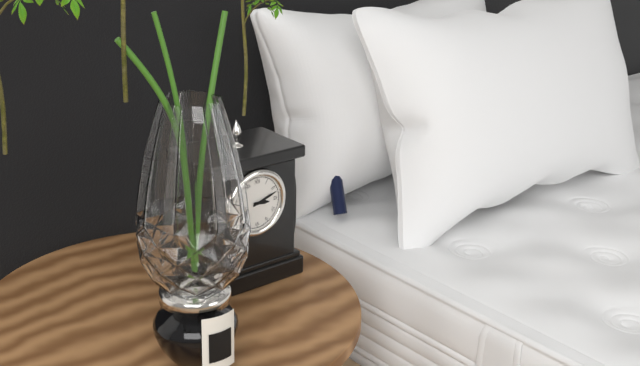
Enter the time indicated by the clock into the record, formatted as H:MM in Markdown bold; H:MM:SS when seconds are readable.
**3:12**
